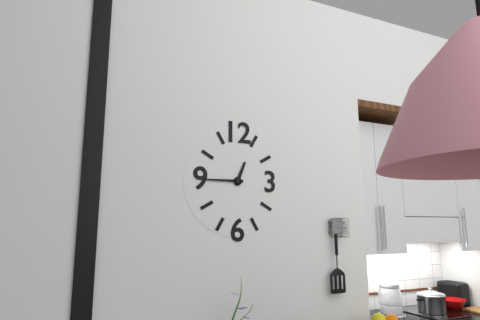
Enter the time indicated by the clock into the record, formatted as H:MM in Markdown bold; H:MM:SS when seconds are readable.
**12:45**
